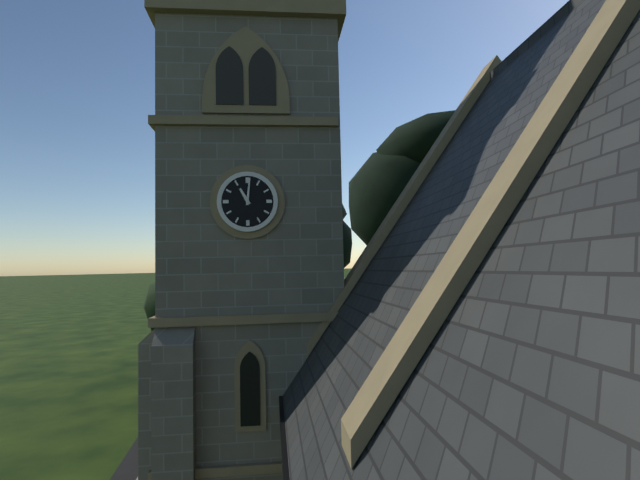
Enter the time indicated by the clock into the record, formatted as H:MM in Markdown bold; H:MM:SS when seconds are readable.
**11:01**
